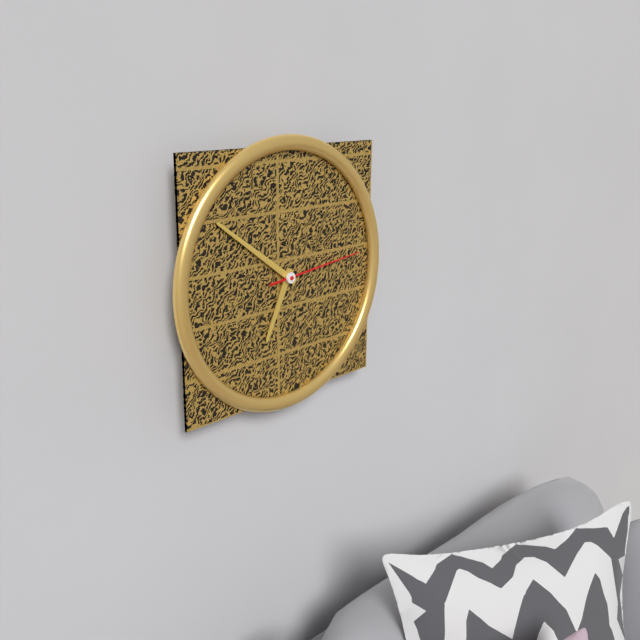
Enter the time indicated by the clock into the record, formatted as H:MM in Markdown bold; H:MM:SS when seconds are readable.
**6:51:14**
